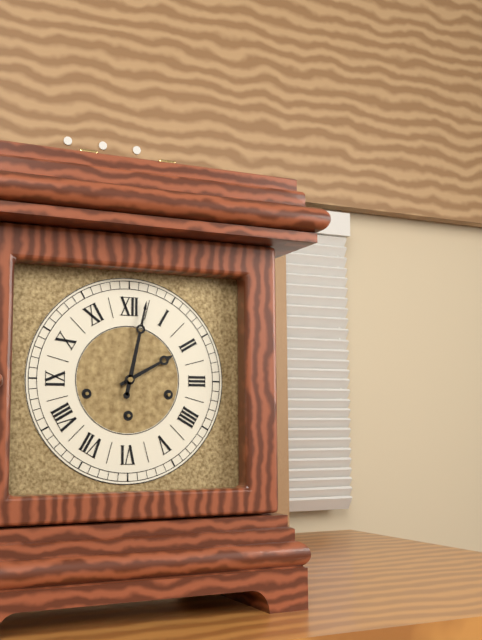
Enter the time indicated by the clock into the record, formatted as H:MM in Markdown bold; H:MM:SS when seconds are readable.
**2:02**
